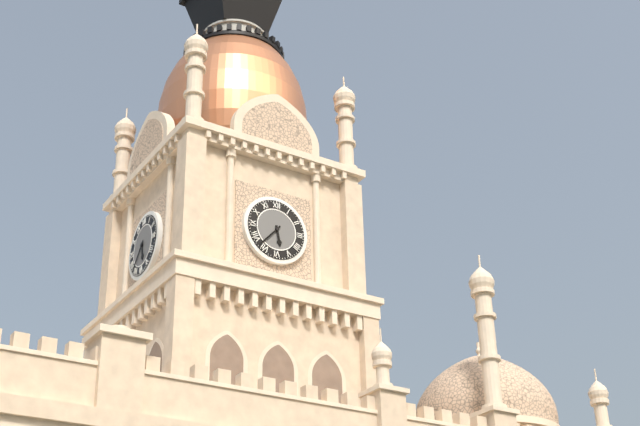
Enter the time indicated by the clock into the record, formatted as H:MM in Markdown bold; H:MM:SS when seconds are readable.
**5:37**
